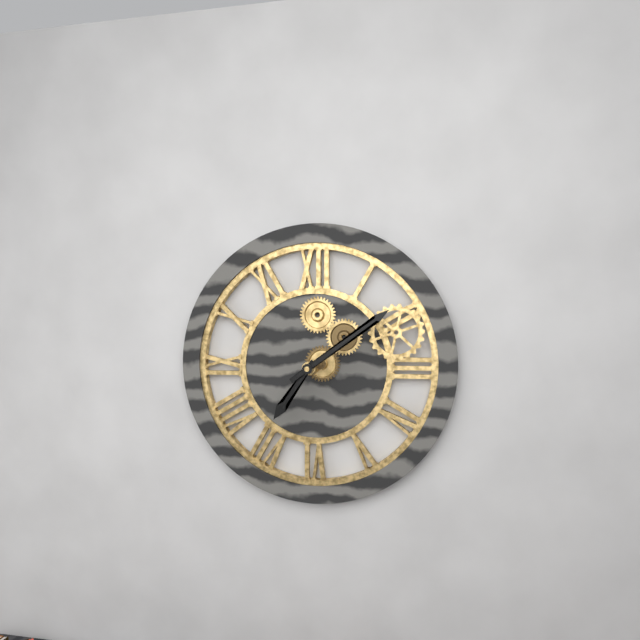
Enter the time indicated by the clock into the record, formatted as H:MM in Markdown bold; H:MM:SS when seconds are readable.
**7:09**
